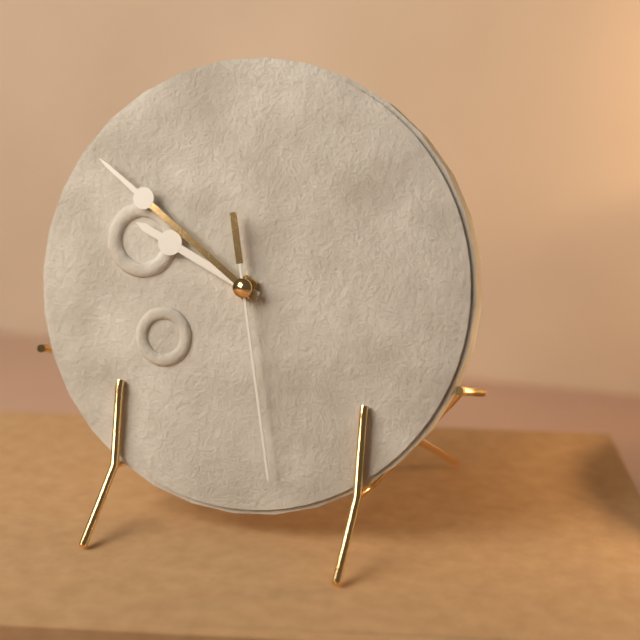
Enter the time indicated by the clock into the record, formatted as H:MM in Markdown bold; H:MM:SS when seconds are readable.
**9:51:28**
